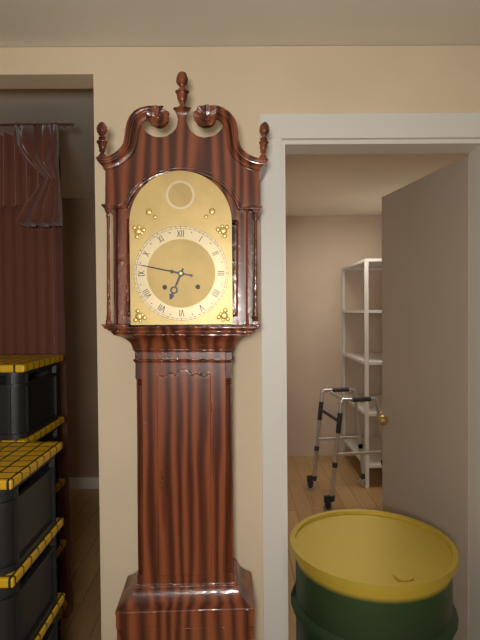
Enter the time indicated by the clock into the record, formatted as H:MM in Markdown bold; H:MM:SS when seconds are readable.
**6:47**
